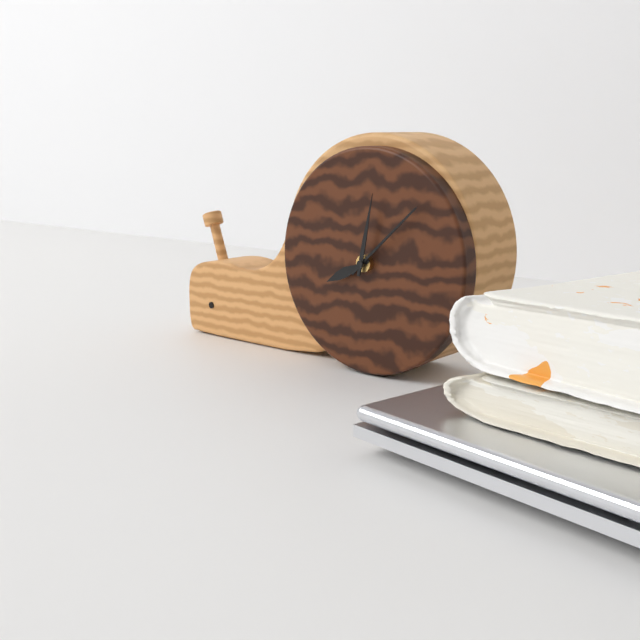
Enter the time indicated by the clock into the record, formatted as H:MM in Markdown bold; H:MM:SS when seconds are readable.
**8:08:02**
